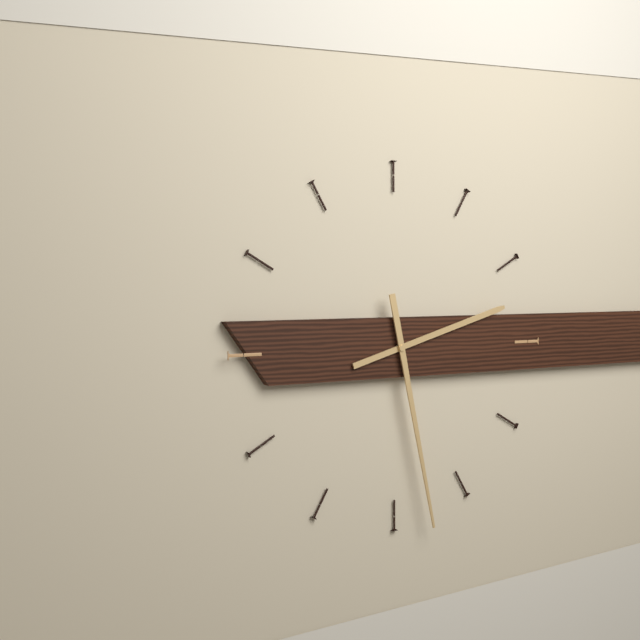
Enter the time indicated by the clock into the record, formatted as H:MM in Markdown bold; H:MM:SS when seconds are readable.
**2:28**
